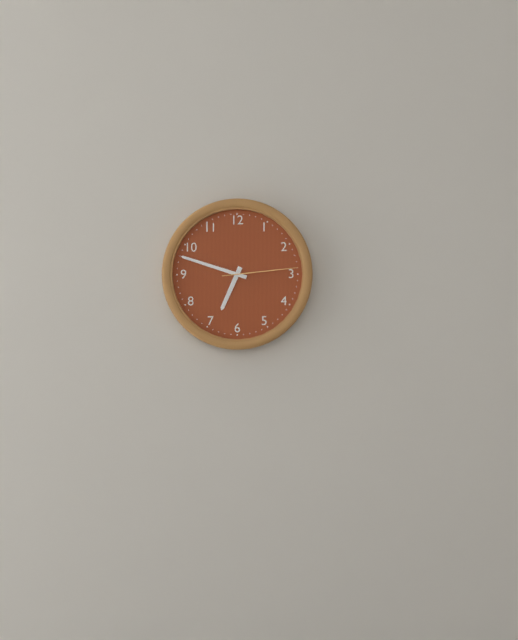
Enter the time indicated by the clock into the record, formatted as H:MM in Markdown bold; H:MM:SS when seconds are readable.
**6:48:14**
